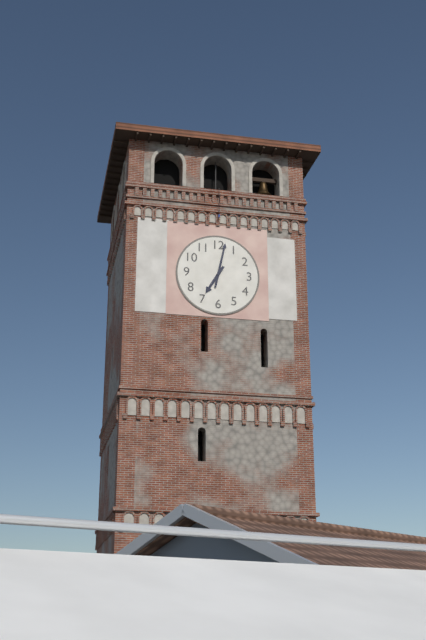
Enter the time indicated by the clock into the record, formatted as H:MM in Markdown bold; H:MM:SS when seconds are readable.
**7:02**
